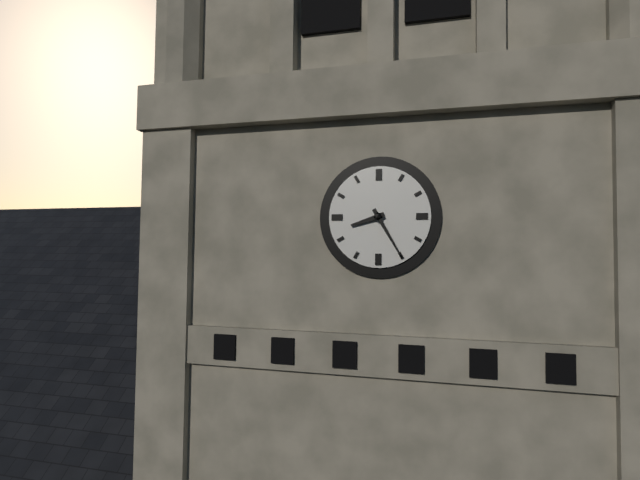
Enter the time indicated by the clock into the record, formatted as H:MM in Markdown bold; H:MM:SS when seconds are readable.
**8:25**
